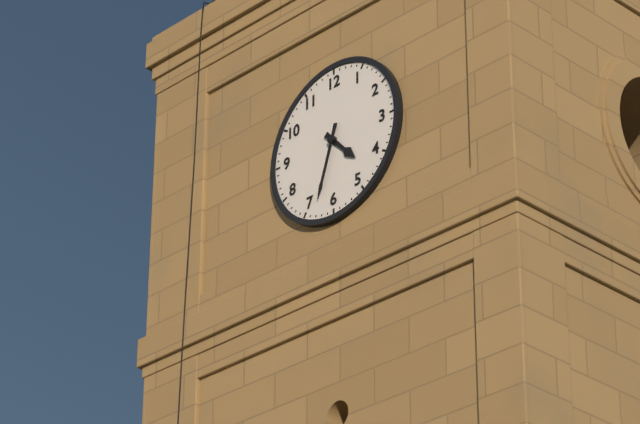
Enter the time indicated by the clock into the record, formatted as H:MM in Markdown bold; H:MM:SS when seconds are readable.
**4:33**
